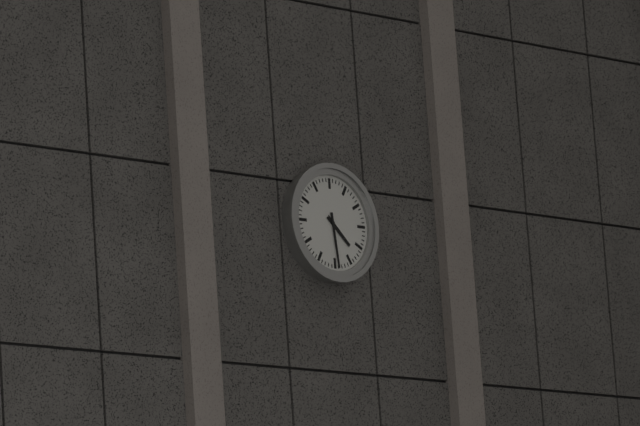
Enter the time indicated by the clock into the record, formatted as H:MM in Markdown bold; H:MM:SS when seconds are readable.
**4:29**
